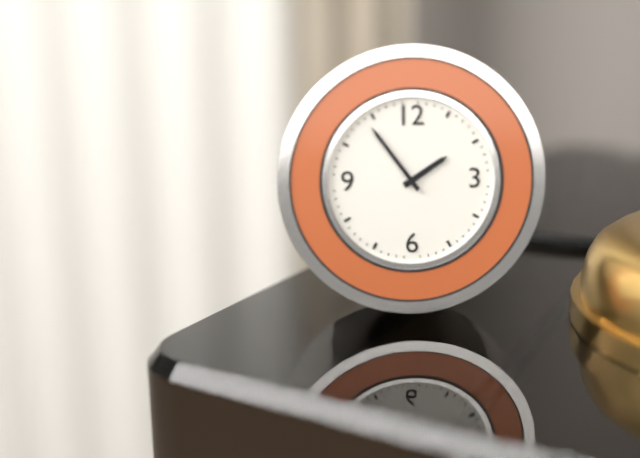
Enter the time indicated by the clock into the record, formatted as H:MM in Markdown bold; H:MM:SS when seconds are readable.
**1:54**
